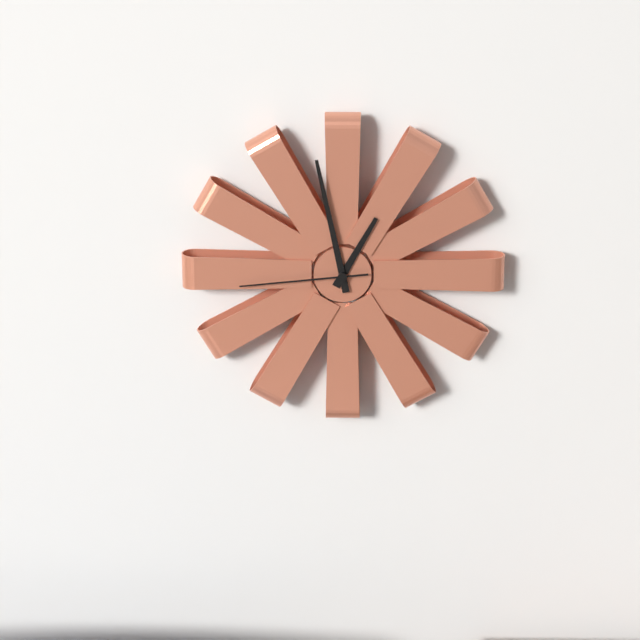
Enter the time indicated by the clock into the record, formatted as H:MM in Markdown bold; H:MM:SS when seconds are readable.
**12:58:44**
